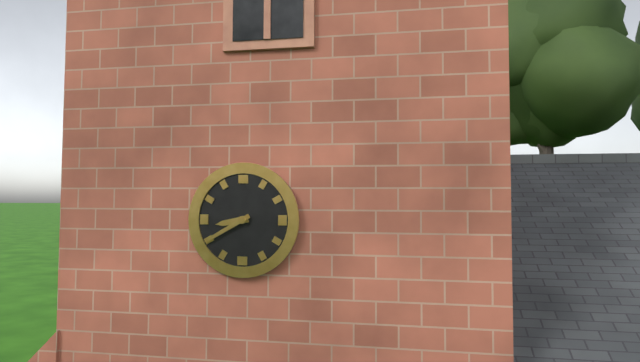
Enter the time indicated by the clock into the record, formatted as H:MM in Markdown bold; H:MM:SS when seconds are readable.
**8:40**
